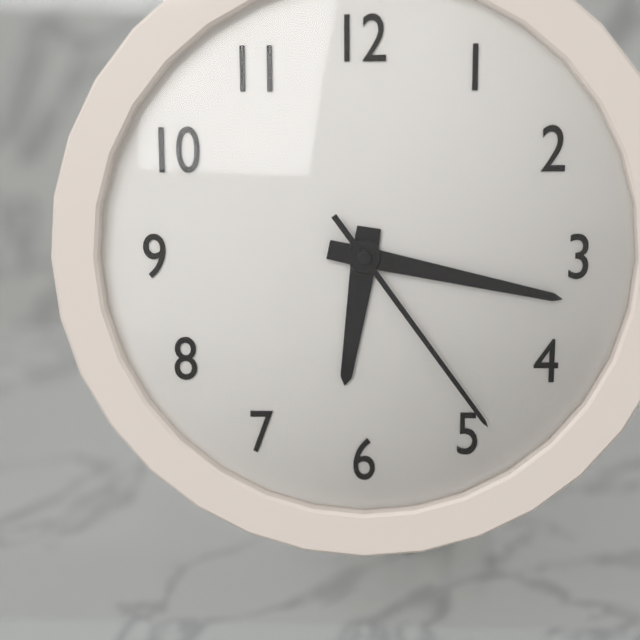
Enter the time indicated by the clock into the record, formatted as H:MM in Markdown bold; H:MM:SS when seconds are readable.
**6:17:24**
